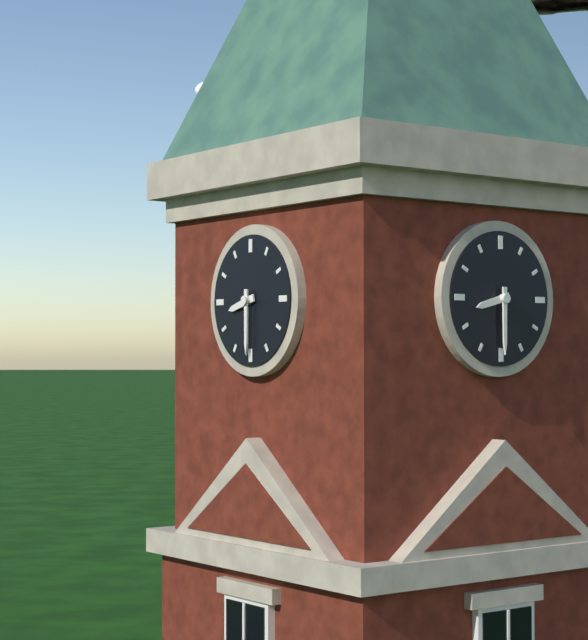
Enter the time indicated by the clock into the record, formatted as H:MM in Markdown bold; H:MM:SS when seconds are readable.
**8:30**
